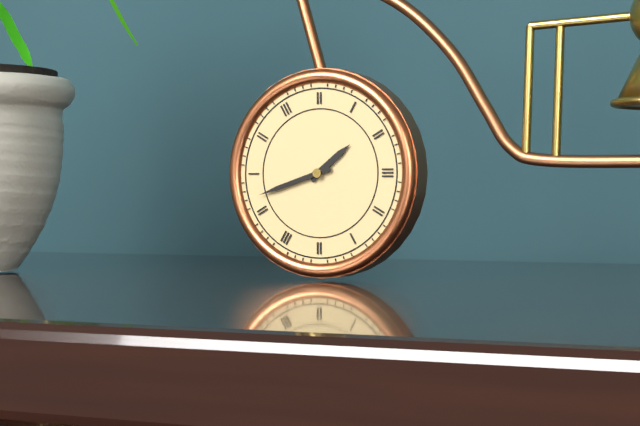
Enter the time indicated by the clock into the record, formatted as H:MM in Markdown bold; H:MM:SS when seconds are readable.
**1:42**
